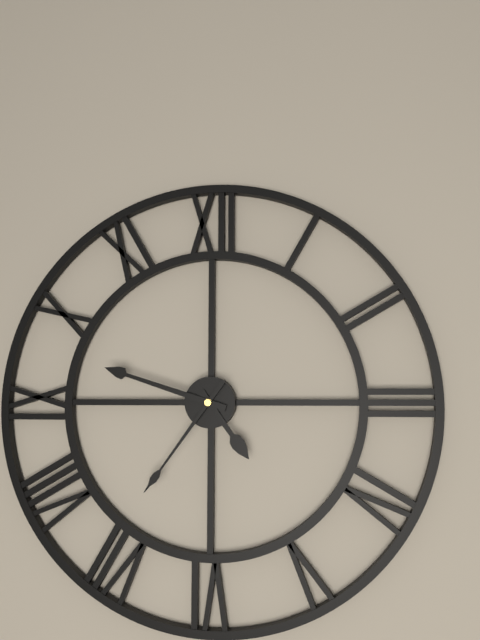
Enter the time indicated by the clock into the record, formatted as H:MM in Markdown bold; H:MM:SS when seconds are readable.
**4:48:36**
